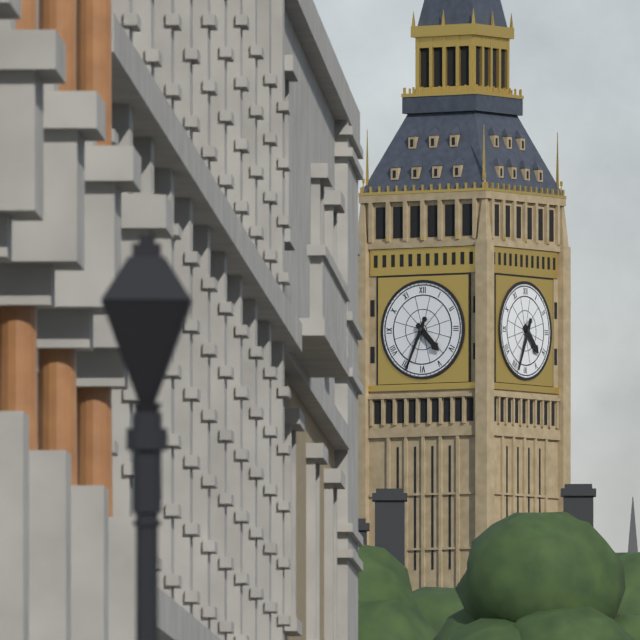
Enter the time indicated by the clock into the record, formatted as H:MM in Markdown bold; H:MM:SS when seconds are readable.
**4:34**
